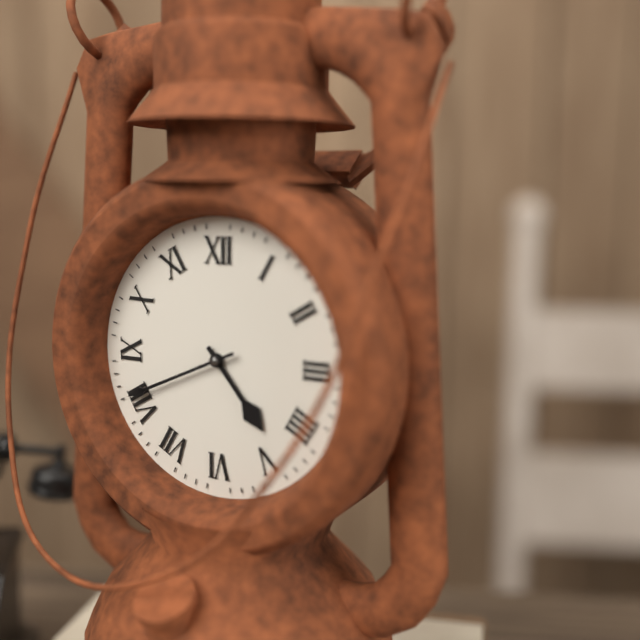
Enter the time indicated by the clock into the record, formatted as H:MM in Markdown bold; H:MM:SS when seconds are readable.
**4:41**
